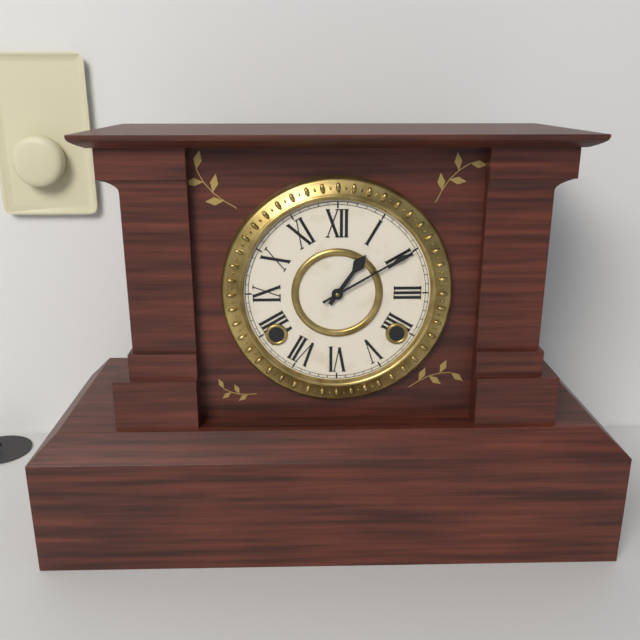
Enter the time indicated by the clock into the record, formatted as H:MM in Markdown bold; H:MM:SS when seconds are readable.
**1:10**
